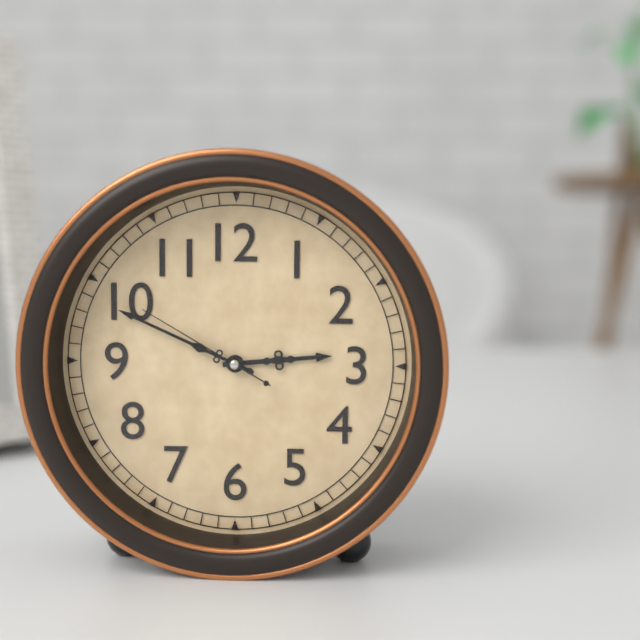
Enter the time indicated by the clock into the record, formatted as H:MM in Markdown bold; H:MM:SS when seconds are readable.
**2:49:50**
